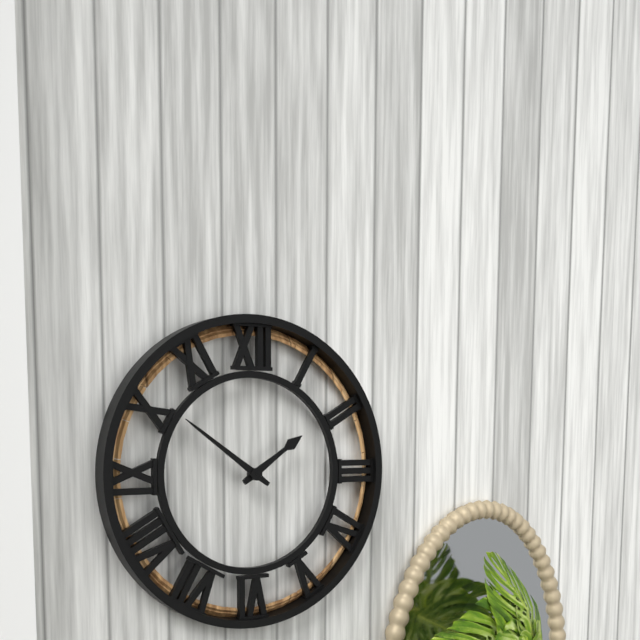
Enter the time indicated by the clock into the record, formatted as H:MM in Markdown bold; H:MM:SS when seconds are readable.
**1:51**
